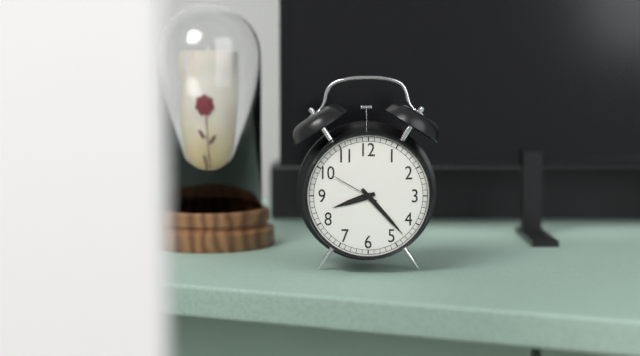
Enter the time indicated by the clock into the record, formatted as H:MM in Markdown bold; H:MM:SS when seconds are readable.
**8:23**
